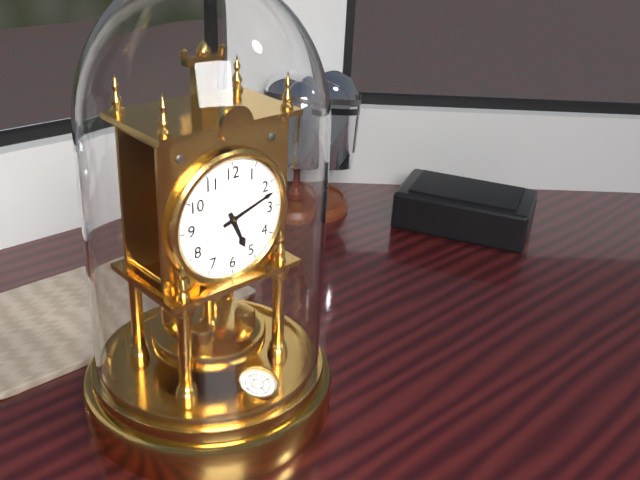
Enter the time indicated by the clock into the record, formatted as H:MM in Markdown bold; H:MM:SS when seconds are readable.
**5:12**
